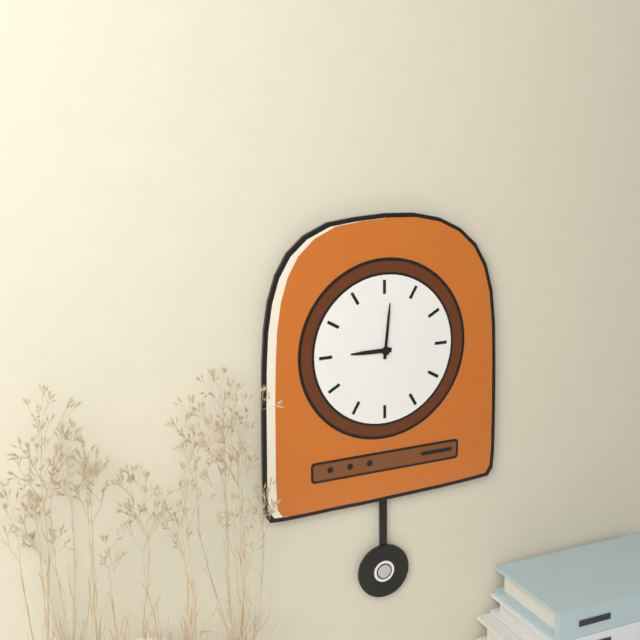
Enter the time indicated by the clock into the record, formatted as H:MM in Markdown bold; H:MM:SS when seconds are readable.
**9:01**
